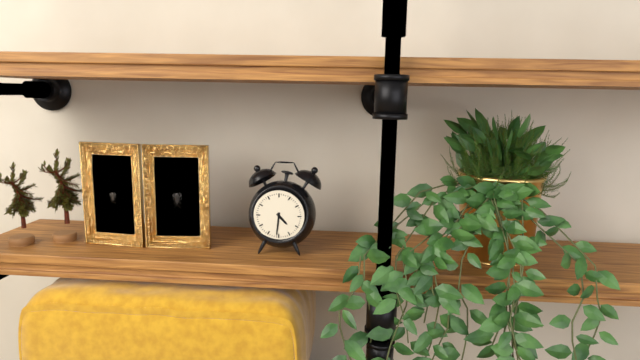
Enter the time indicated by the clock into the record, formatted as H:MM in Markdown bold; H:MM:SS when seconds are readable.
**4:31**
